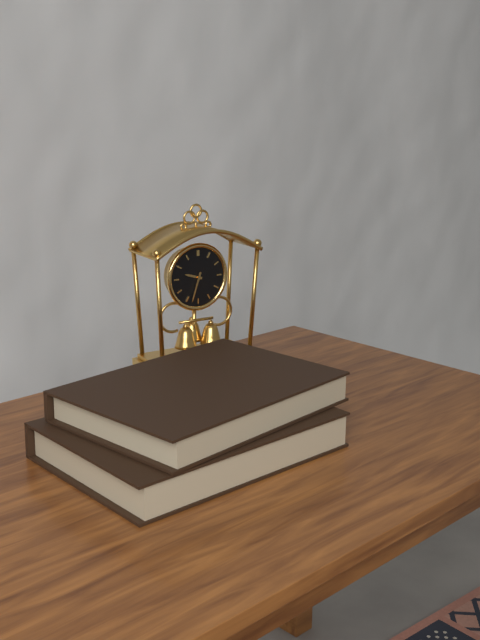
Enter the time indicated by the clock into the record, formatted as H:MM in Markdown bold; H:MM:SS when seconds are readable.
**9:33**
